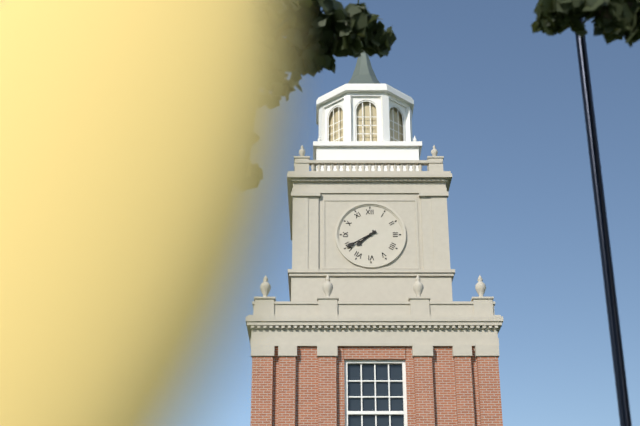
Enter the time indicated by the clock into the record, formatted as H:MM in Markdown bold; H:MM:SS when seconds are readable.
**7:40**
